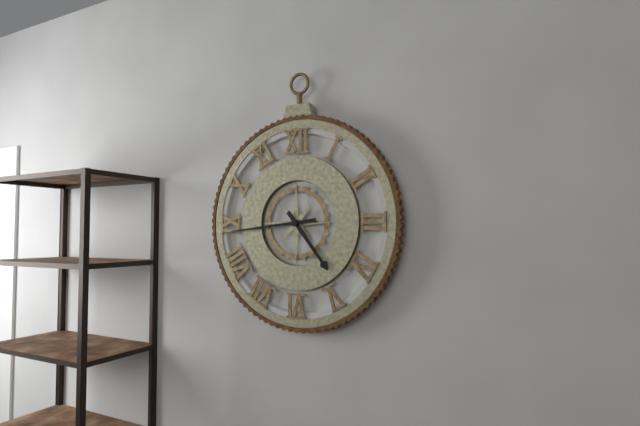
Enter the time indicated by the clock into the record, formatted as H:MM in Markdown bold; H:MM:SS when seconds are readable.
**4:44**
